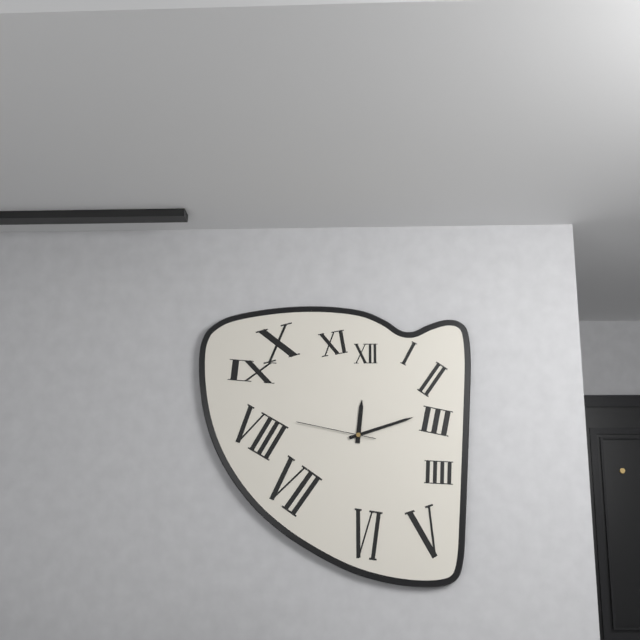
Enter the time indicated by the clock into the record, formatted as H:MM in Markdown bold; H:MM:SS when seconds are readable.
**12:12:47**
